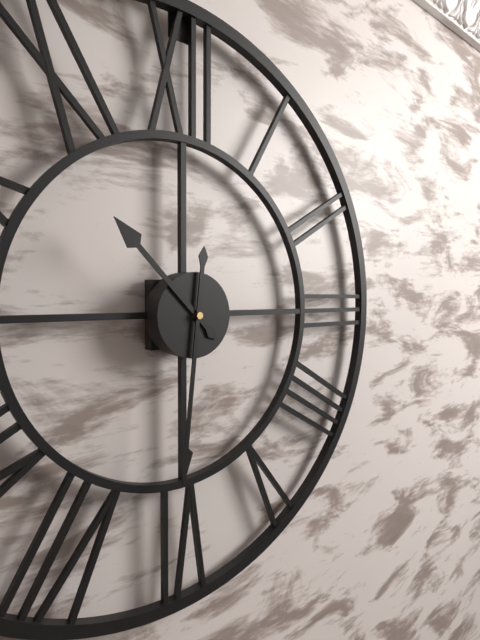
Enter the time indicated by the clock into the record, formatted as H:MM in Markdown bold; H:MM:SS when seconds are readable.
**10:31**
